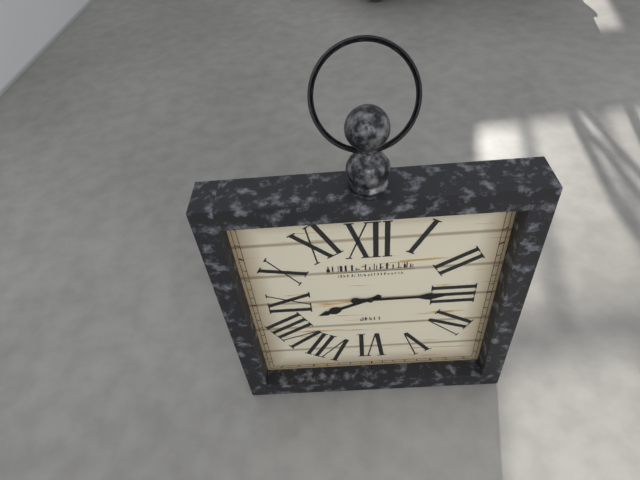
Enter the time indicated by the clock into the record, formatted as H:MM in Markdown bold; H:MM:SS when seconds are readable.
**8:15**
